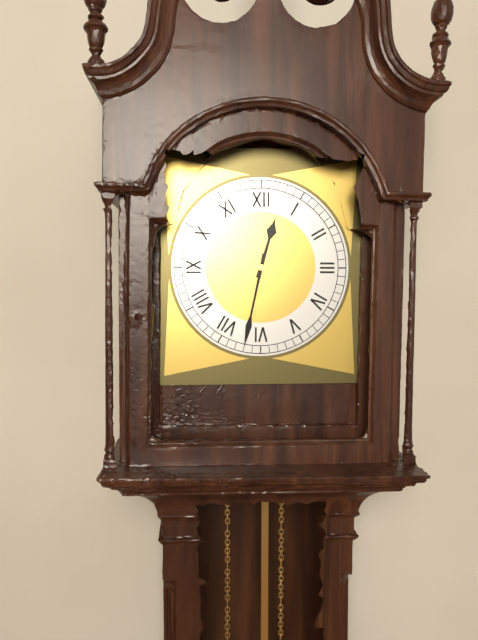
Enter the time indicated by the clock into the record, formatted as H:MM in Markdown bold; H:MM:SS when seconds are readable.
**12:32**
